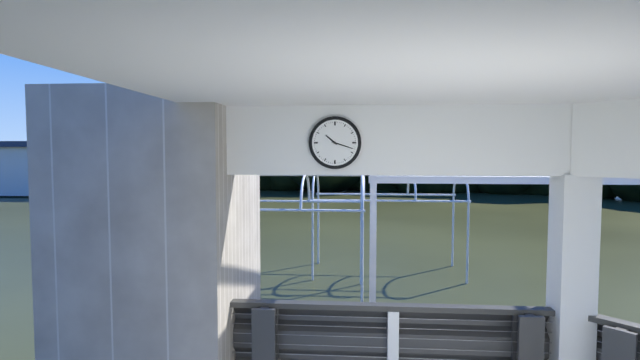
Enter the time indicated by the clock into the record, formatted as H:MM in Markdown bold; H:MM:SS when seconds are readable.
**10:18**
